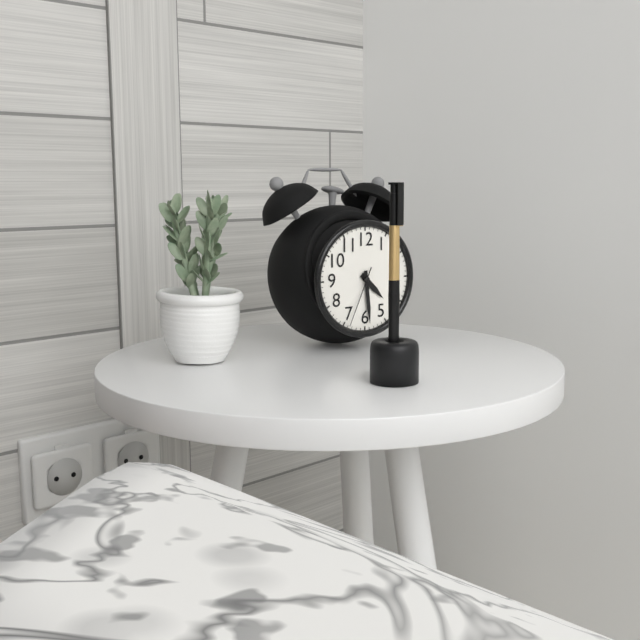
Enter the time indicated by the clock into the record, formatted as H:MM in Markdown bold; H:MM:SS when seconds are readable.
**4:29:34**
